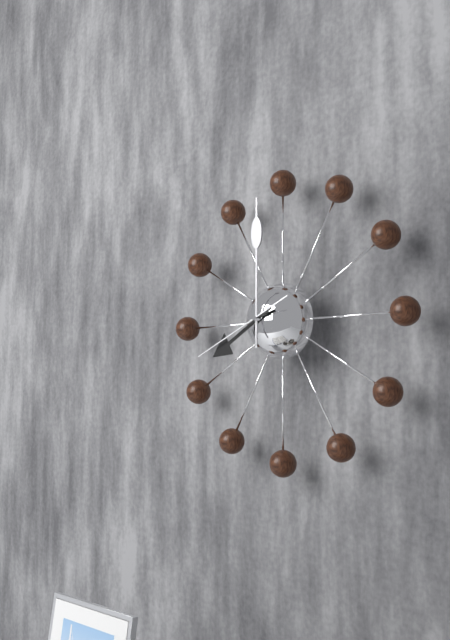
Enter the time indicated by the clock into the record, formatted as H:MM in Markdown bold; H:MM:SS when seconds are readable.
**8:00:41**
